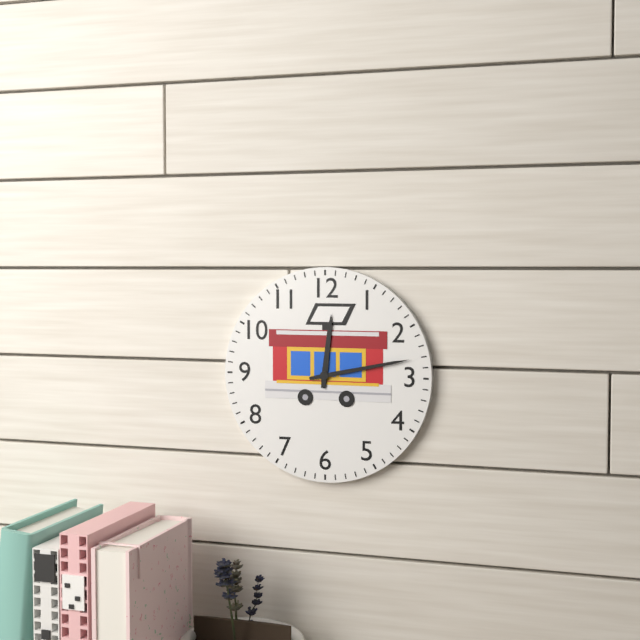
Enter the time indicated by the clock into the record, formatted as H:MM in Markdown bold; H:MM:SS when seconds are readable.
**12:13**
